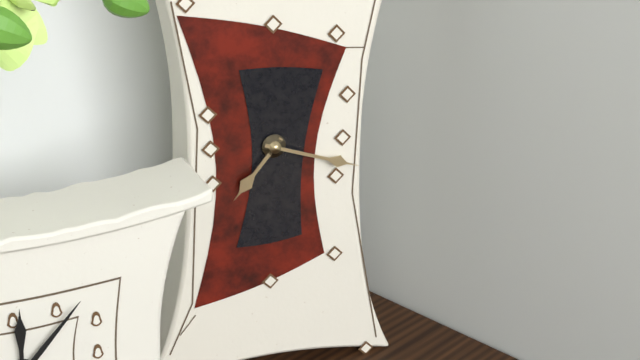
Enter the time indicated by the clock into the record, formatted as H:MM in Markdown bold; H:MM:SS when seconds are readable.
**7:18**
